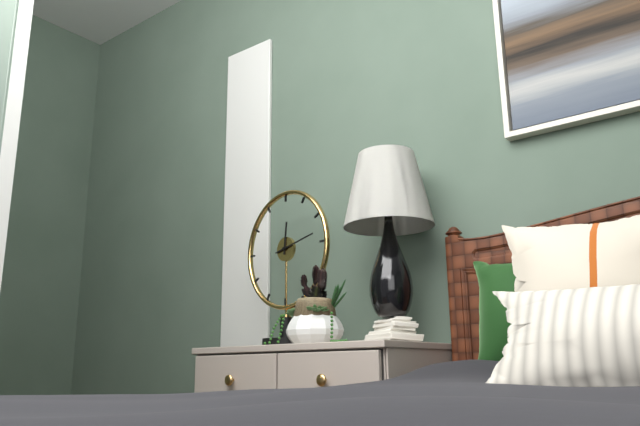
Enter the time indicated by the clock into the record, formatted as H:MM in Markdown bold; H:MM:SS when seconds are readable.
**12:13**
